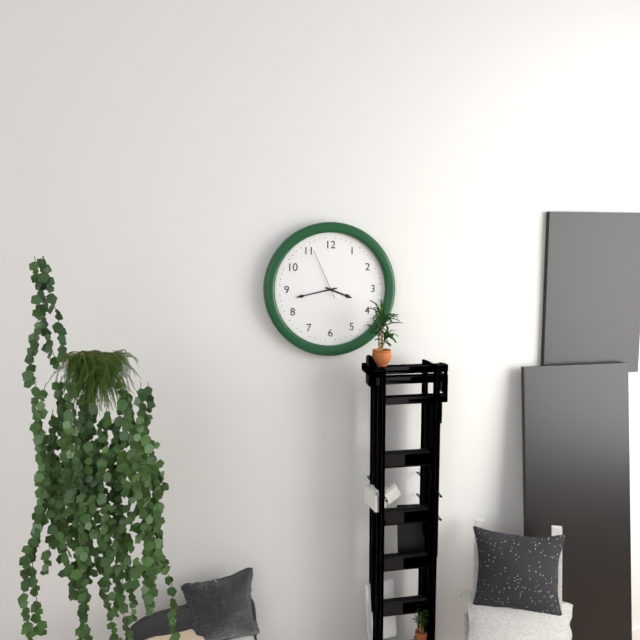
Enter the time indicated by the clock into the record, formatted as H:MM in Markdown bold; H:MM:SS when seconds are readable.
**3:43:56**
